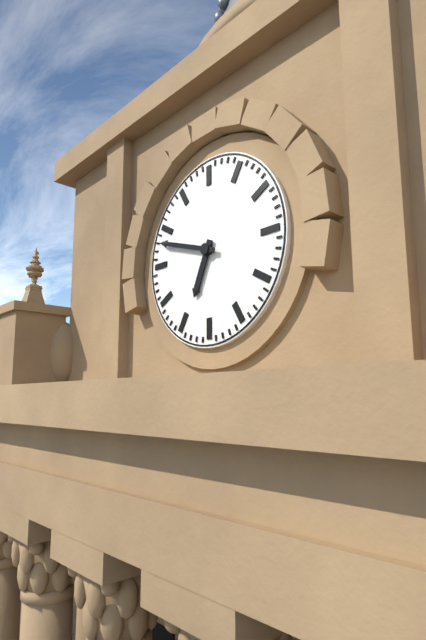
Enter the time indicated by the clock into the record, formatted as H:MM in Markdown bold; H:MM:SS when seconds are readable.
**6:48**
